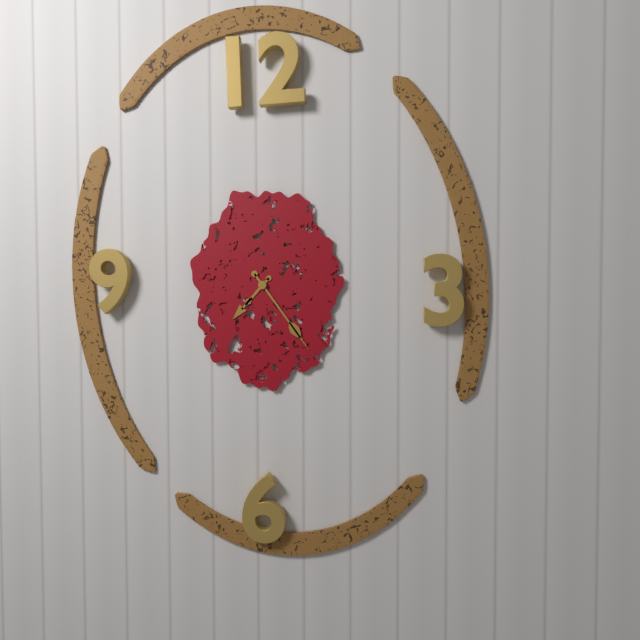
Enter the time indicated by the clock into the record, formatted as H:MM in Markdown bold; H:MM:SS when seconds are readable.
**7:24**
